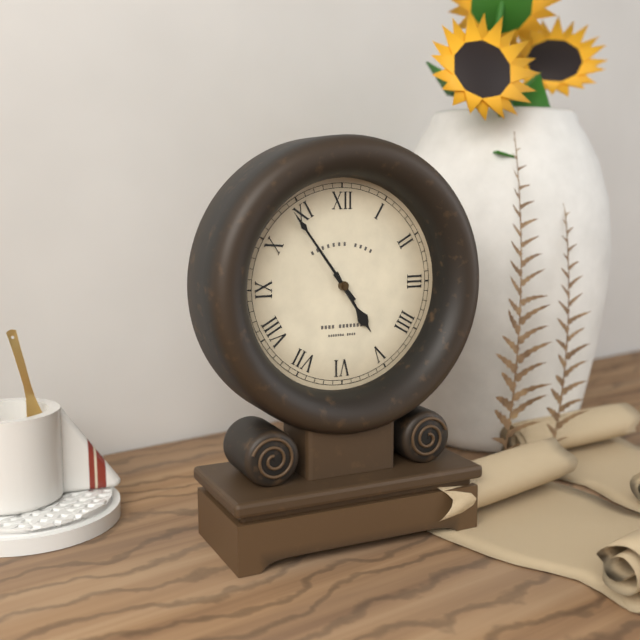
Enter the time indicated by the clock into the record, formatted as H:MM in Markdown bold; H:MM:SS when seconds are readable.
**4:54**
